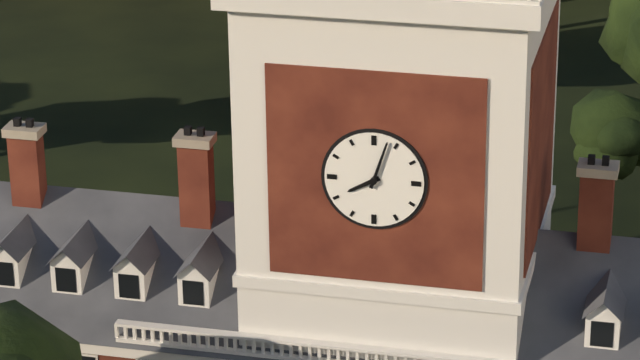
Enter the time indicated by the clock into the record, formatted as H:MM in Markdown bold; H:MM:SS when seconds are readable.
**8:03**
